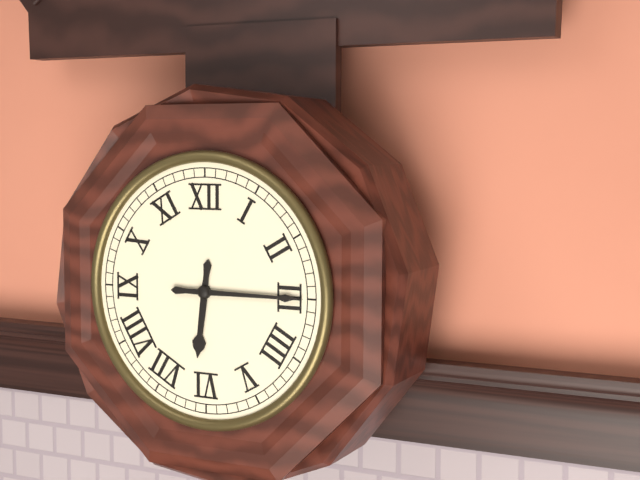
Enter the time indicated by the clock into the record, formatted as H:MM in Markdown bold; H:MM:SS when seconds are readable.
**6:15**
